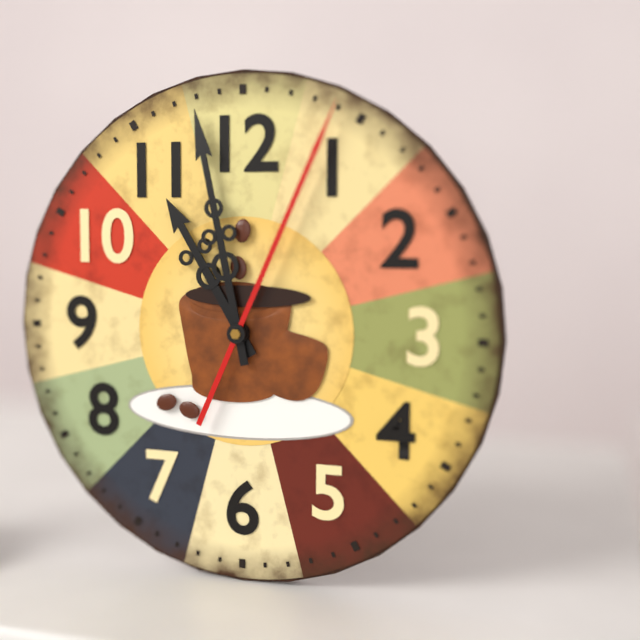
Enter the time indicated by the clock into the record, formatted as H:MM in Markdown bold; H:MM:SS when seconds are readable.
**10:58:04**
